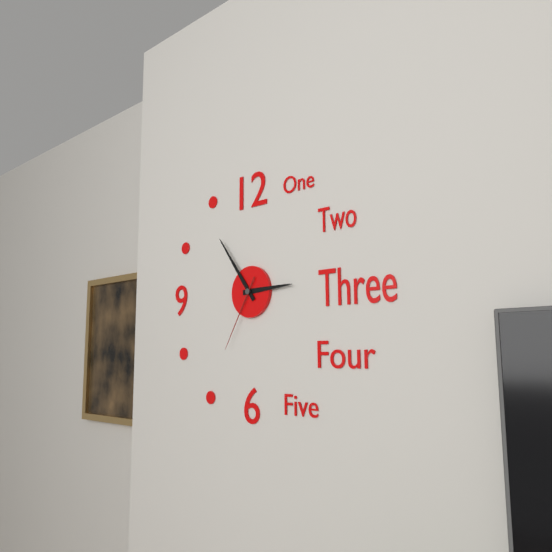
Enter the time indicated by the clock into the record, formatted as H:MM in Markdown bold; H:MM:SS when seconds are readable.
**2:54:35**
